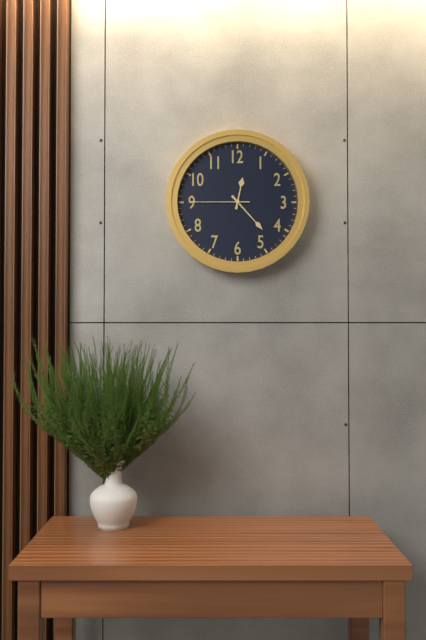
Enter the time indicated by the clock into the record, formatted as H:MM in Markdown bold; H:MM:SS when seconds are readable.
**12:23:45**
